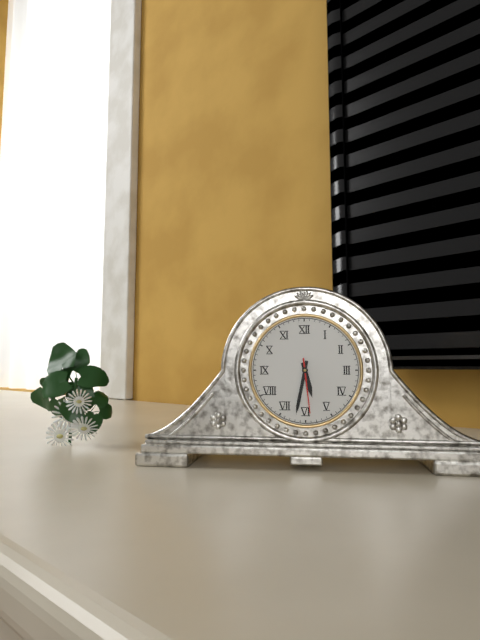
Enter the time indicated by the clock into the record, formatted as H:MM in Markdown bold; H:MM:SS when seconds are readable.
**5:32:29**
